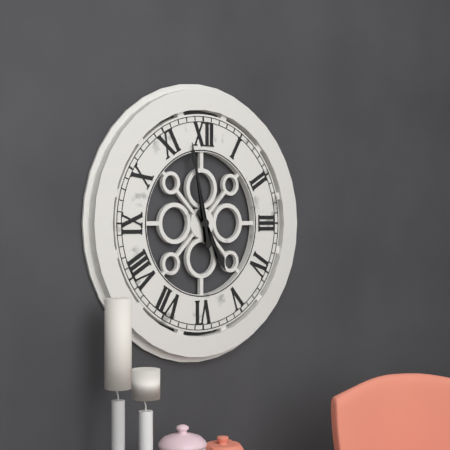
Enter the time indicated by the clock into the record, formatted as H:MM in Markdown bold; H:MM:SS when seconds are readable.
**4:58**
